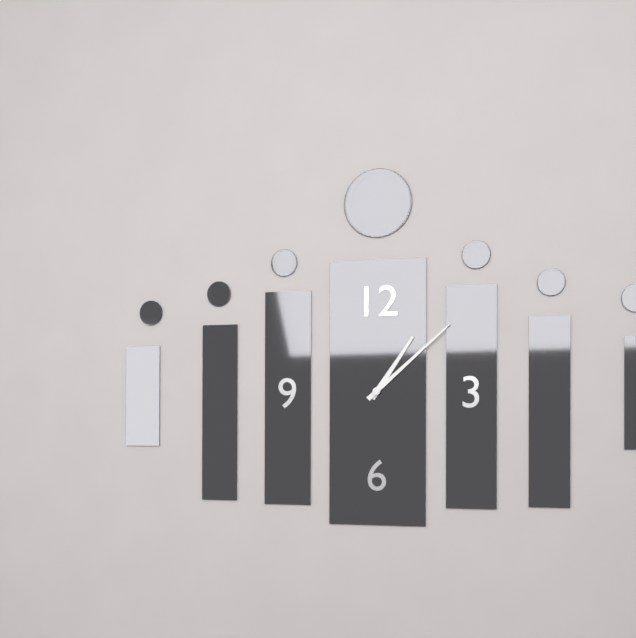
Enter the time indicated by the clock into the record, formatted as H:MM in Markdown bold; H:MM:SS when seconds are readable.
**1:08**
